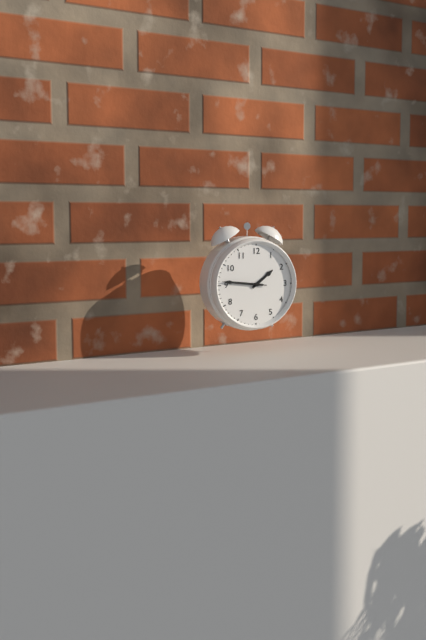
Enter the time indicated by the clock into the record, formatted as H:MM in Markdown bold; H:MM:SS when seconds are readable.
**1:46**
